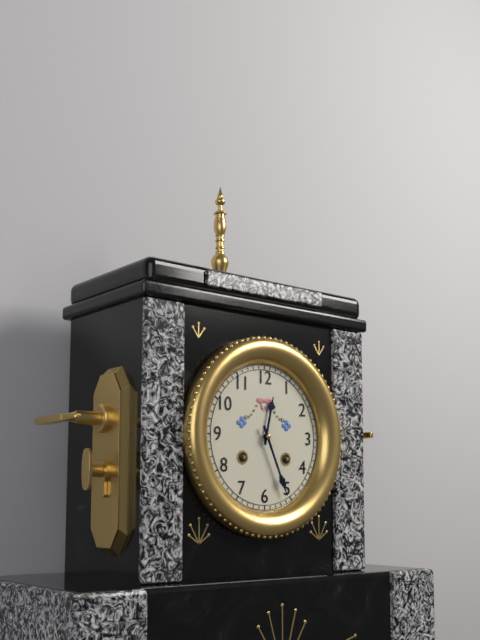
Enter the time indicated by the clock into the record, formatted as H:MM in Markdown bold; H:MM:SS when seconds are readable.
**12:26**
